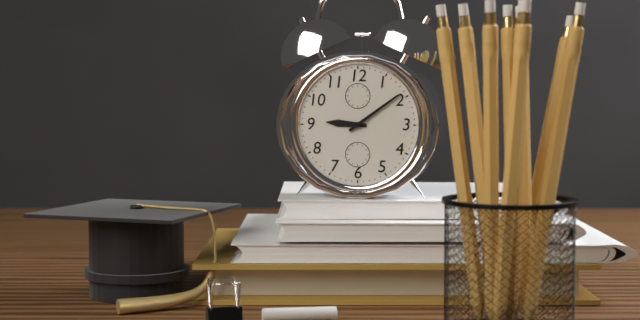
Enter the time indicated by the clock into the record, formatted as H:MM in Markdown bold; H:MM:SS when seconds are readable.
**9:09**
